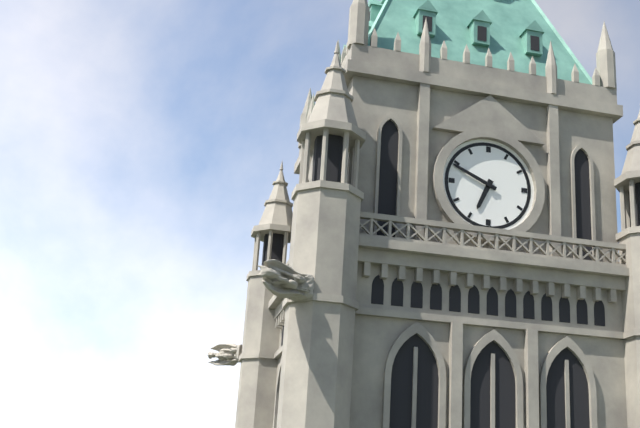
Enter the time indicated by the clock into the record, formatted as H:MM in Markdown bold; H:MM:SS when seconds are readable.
**6:49**
